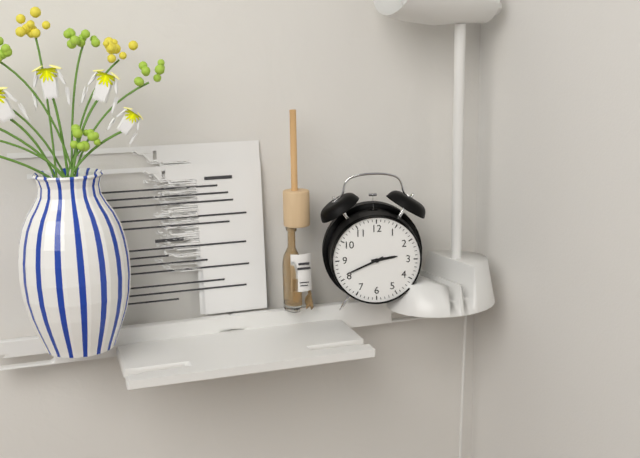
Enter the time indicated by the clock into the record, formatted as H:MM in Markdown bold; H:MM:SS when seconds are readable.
**2:41**
